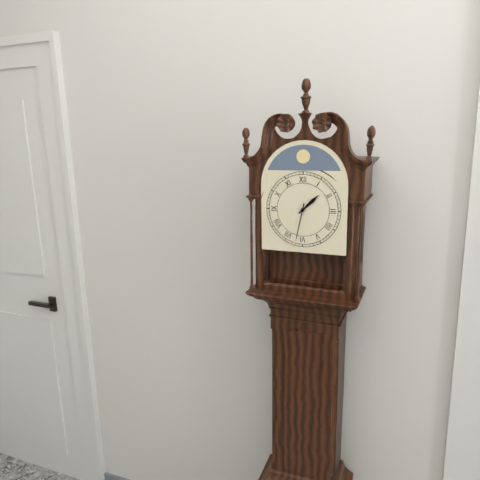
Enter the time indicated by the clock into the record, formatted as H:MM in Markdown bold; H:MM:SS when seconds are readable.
**1:32**
